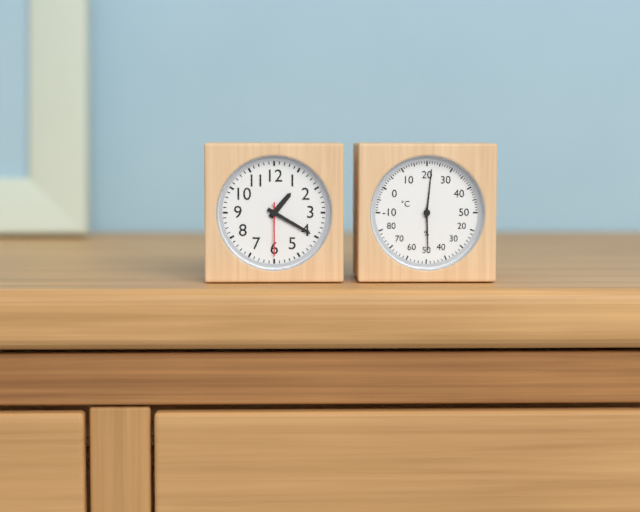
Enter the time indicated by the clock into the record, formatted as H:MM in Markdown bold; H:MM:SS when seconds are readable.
**1:20:30**
